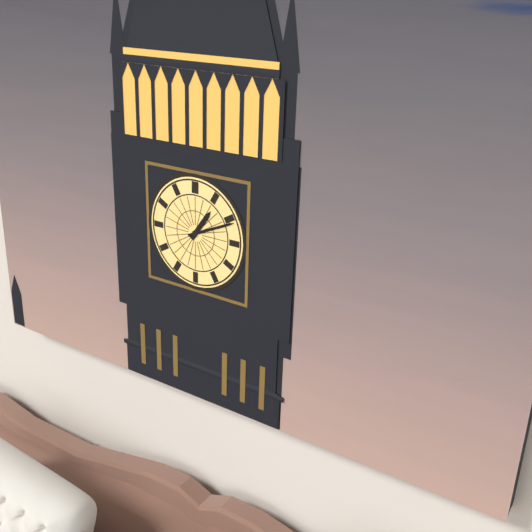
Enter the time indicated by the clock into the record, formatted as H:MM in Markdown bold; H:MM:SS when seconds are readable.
**1:11**
